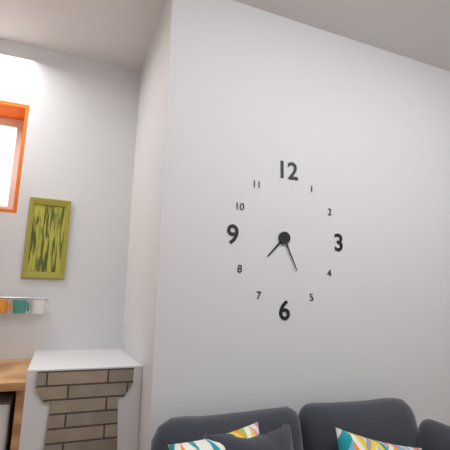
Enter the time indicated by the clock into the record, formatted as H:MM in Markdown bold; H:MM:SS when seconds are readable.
**7:26**
